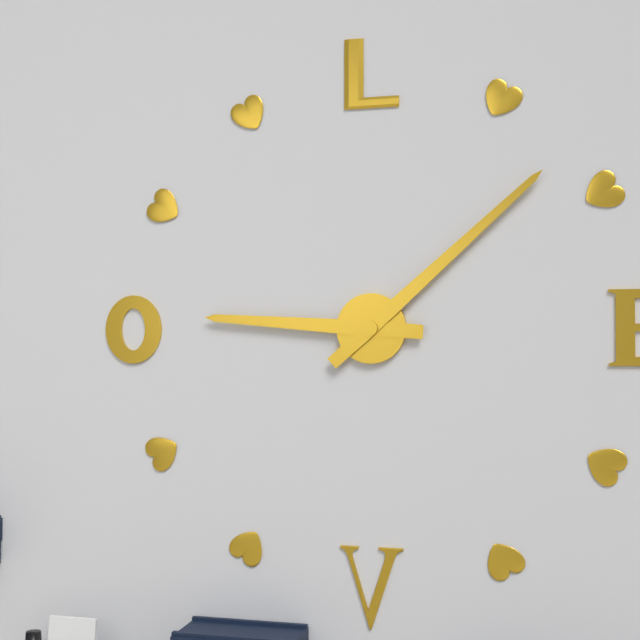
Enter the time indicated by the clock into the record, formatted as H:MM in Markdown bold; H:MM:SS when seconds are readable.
**9:08**
